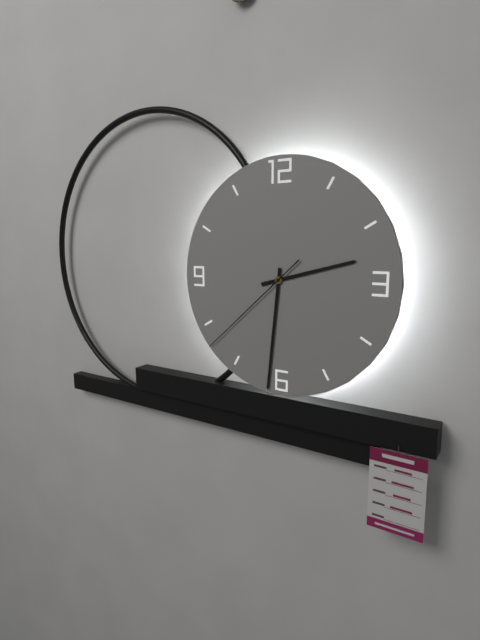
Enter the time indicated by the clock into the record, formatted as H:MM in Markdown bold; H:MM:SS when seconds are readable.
**2:31:38**
